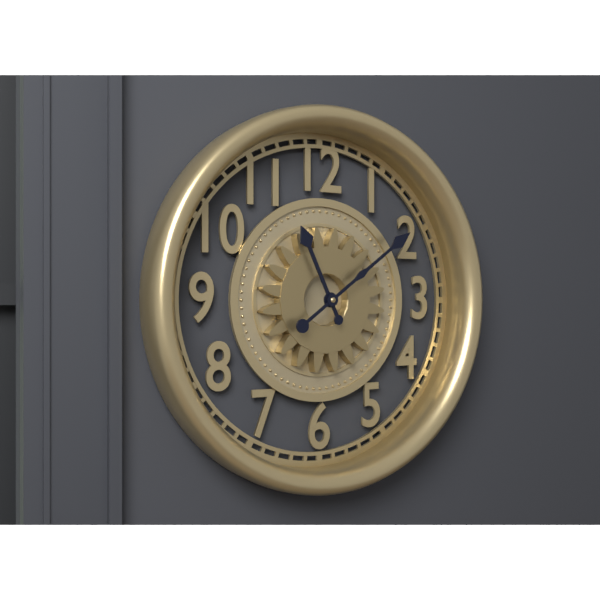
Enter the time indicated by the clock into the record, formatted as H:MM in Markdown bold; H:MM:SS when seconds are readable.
**11:09**
